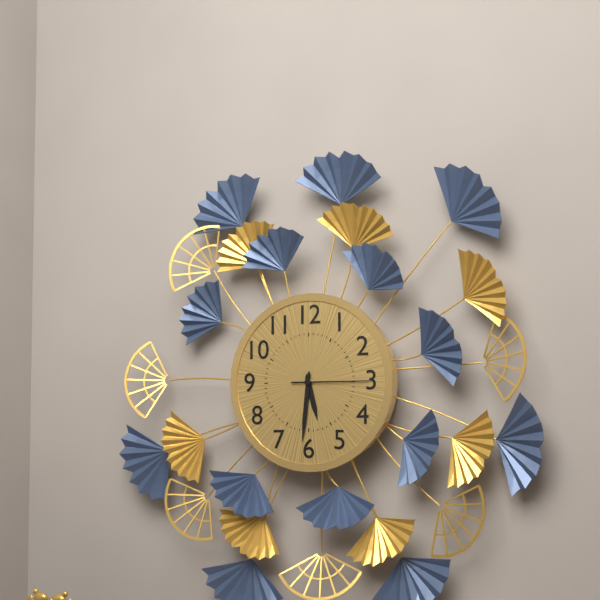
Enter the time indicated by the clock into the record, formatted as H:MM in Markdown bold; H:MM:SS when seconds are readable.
**5:31:15**
